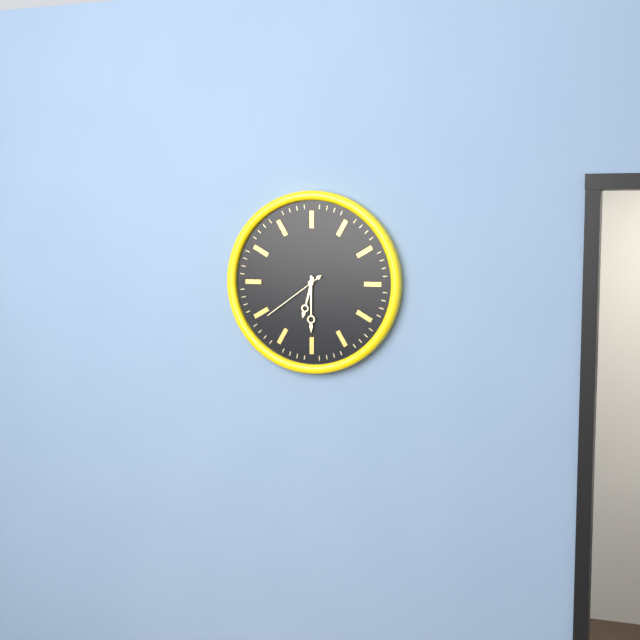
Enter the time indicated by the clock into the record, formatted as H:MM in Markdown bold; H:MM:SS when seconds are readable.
**6:30:39**
